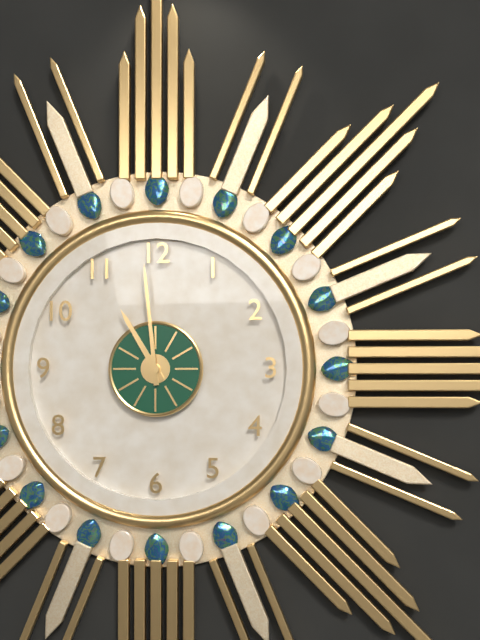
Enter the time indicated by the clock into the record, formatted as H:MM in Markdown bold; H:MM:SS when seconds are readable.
**10:59**
